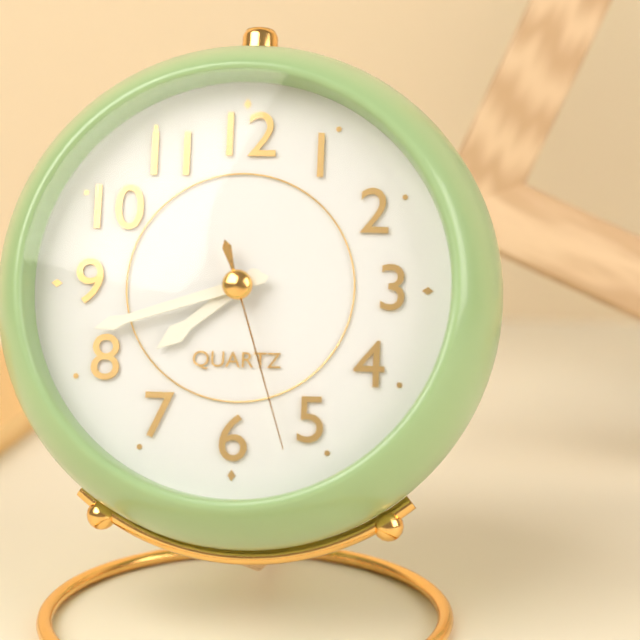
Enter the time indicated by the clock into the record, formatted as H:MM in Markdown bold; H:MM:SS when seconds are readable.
**7:42:27**
